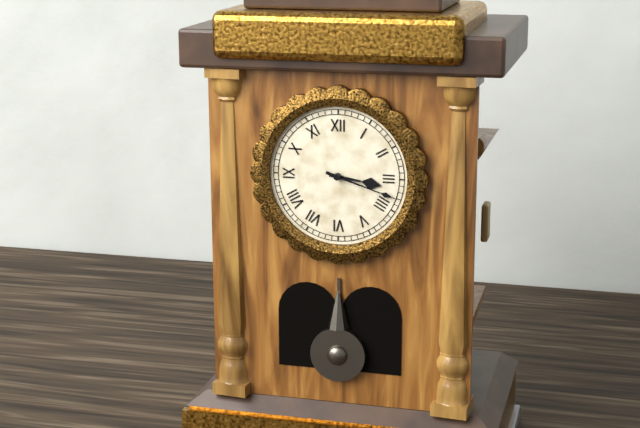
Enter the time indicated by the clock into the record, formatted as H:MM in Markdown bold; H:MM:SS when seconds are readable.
**3:18**
